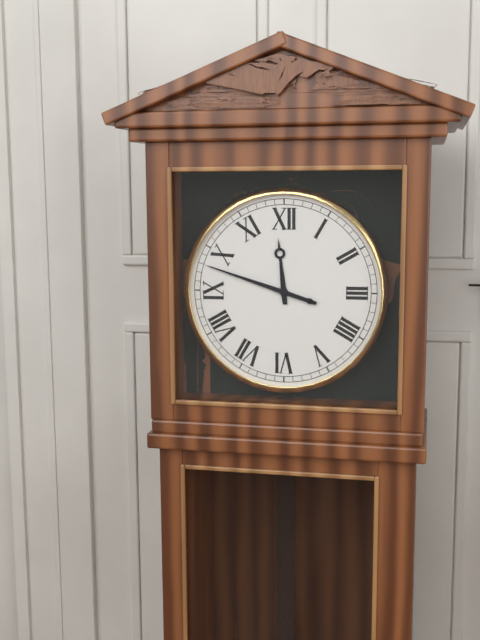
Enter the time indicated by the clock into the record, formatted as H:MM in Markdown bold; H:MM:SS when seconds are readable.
**11:48**
